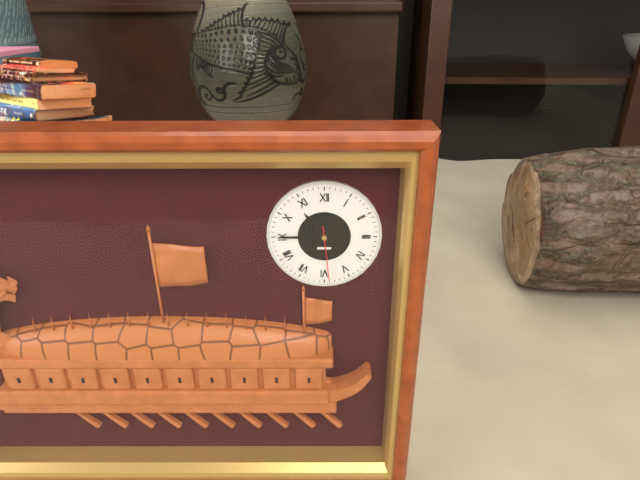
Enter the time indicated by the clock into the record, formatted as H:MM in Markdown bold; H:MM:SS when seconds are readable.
**10:45:29**
